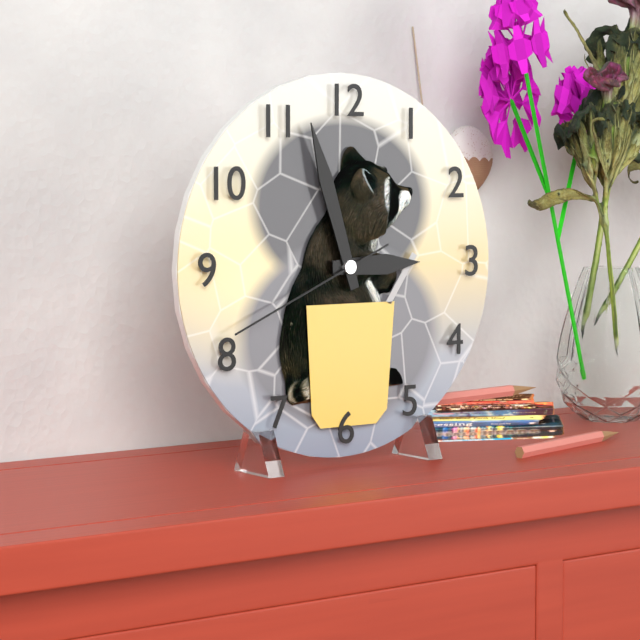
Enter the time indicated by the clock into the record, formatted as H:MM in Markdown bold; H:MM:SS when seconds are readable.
**2:57:41**
